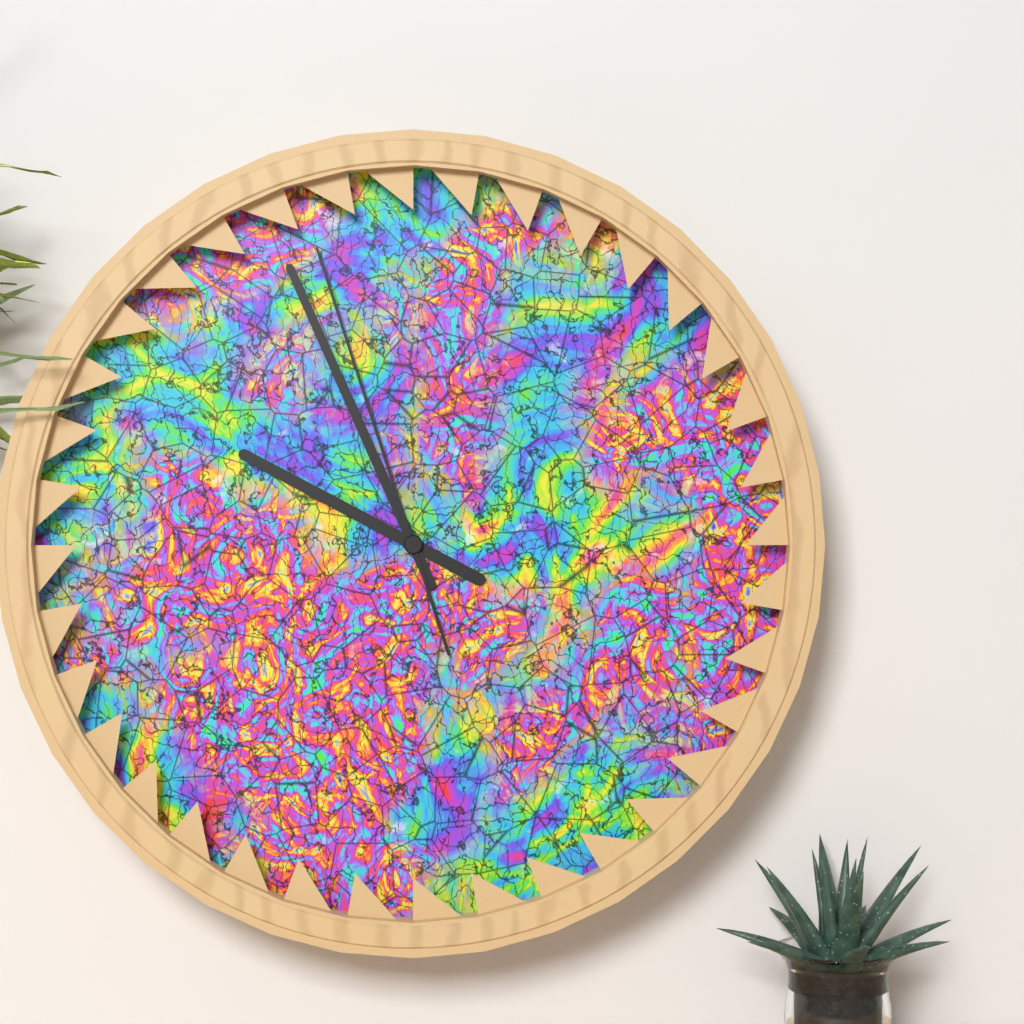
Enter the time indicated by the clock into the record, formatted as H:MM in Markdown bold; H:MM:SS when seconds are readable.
**9:56:57**
